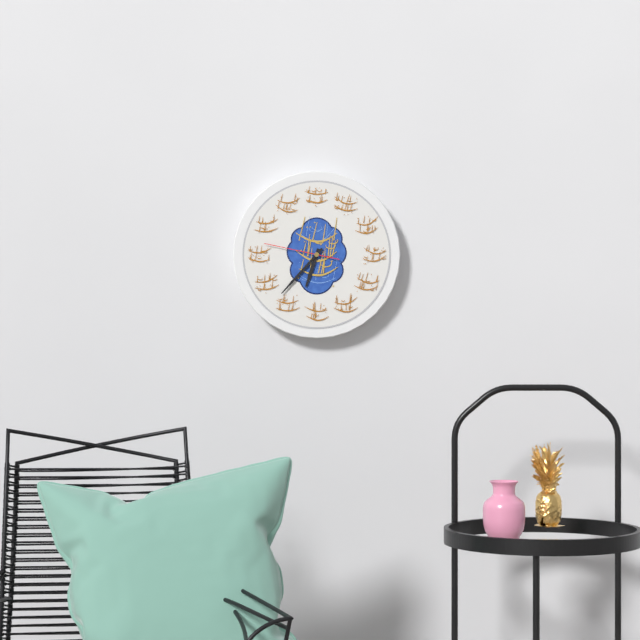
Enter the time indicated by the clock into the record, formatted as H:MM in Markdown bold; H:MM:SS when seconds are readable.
**6:37:47**
